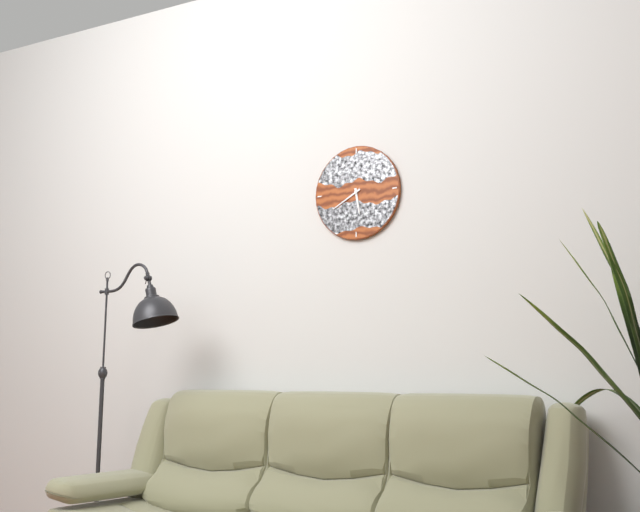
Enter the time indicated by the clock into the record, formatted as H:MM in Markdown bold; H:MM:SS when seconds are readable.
**5:40**
